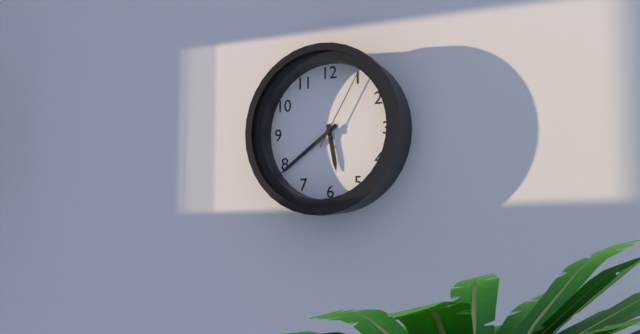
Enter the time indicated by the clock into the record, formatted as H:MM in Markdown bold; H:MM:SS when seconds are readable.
**5:39:05**
